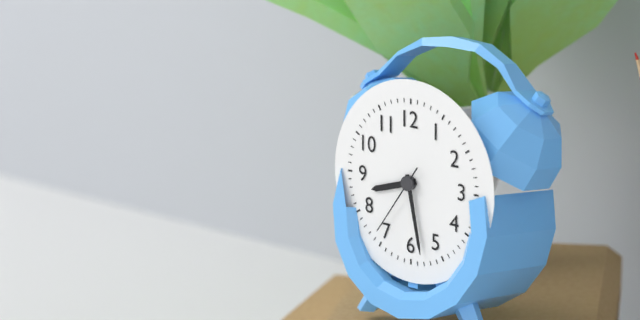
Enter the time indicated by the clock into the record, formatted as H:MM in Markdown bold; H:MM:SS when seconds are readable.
**8:28:36**
